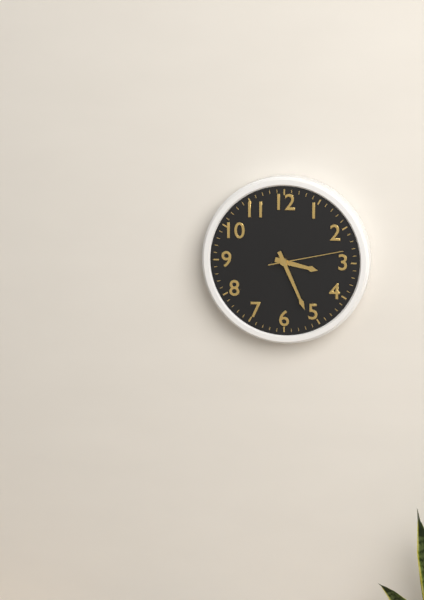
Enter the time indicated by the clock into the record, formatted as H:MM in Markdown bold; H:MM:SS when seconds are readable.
**3:26:13**
